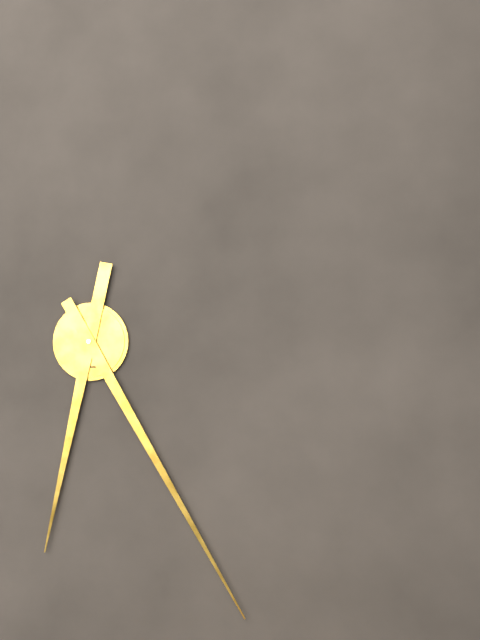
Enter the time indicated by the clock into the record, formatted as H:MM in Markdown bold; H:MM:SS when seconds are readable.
**6:25**
